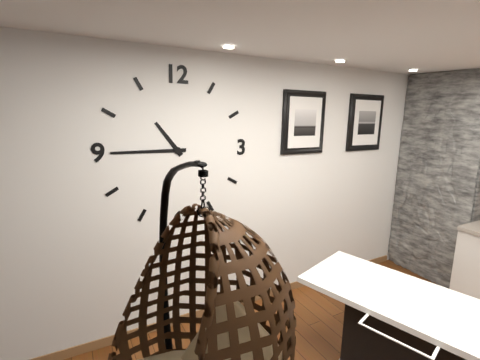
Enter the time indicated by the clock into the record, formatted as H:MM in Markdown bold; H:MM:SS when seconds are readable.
**10:45**
